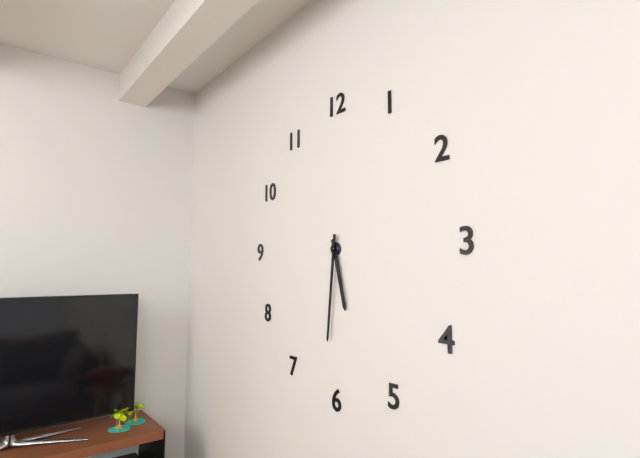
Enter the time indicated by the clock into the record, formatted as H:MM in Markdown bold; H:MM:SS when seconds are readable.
**5:31**
